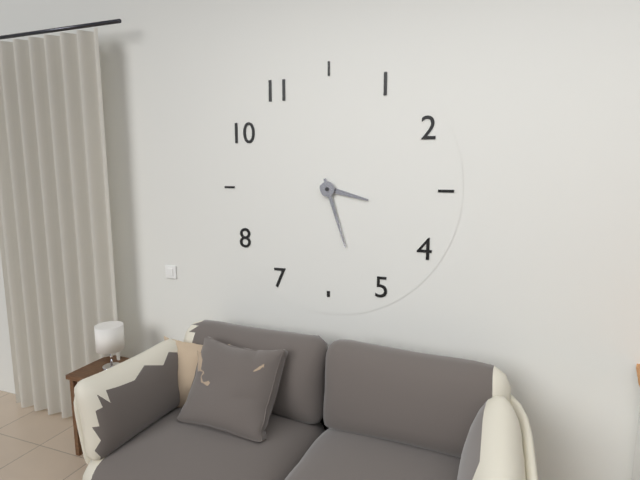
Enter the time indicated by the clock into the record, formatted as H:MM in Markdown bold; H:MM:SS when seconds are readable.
**3:27**
